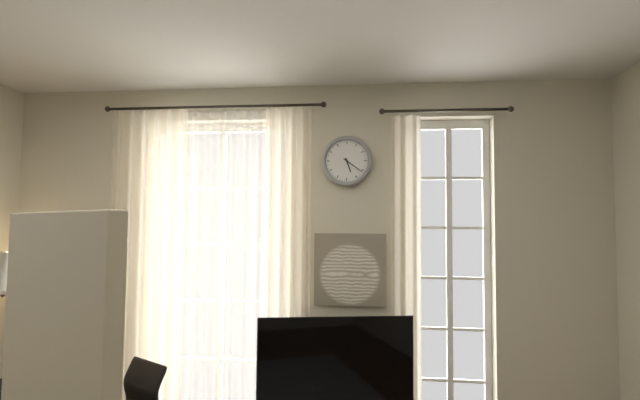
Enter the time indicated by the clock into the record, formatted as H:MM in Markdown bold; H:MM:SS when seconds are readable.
**5:21**
